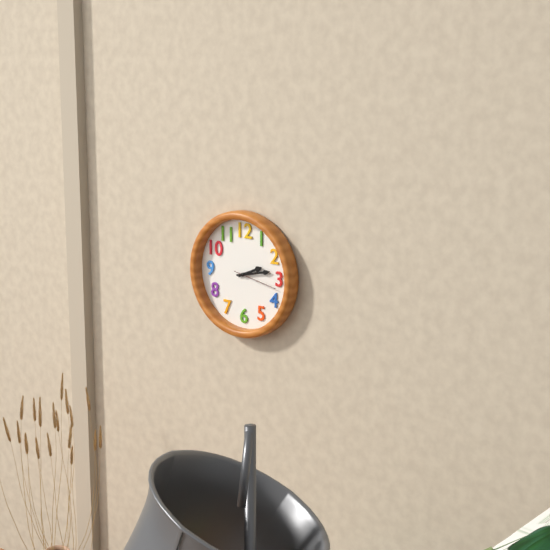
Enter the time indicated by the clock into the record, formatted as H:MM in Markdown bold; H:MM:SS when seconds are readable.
**2:13**
